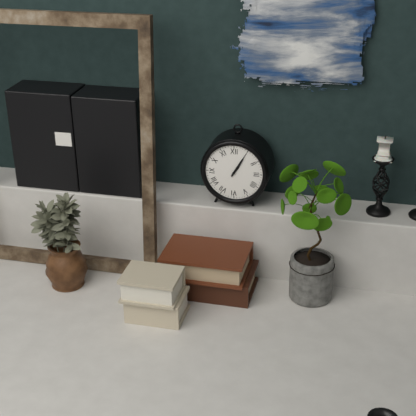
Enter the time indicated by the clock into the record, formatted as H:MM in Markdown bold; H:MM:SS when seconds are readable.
**1:05**
